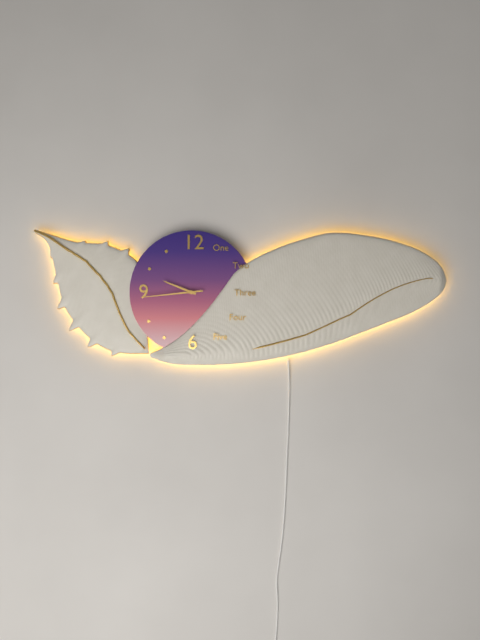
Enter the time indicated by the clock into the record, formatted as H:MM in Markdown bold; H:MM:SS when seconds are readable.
**9:44**
